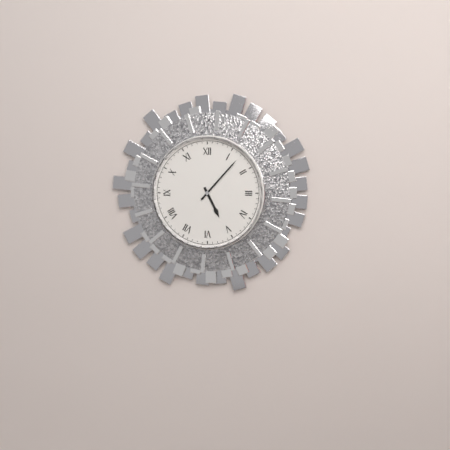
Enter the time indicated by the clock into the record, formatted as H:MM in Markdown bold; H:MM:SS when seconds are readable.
**5:07**
